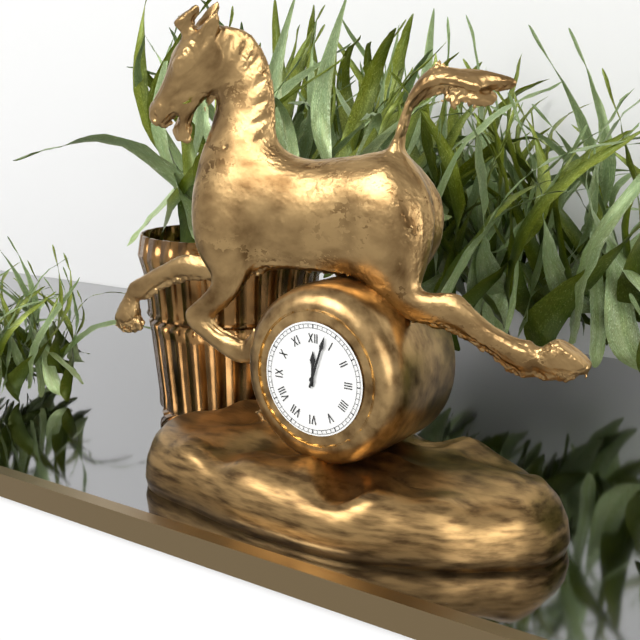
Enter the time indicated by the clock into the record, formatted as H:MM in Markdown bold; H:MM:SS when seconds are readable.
**12:03**
